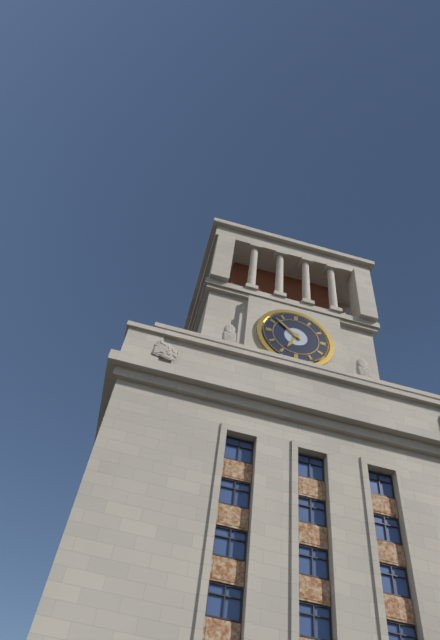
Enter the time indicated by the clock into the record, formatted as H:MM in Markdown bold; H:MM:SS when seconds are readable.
**6:52**
